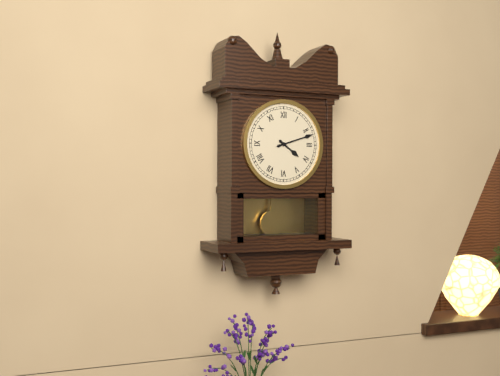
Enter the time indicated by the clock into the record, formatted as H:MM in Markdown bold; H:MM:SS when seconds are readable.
**4:12**
